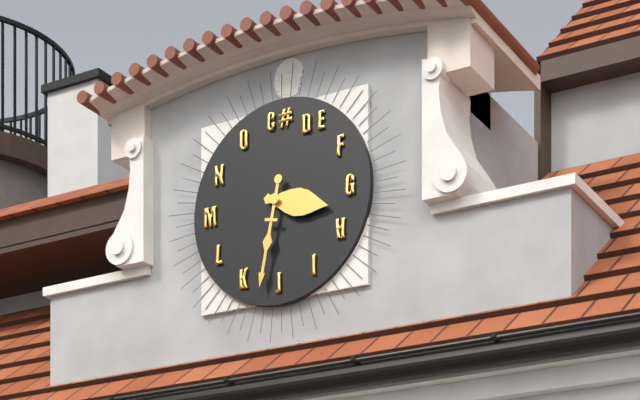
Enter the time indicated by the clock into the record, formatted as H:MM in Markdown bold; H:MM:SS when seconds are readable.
**3:32**
